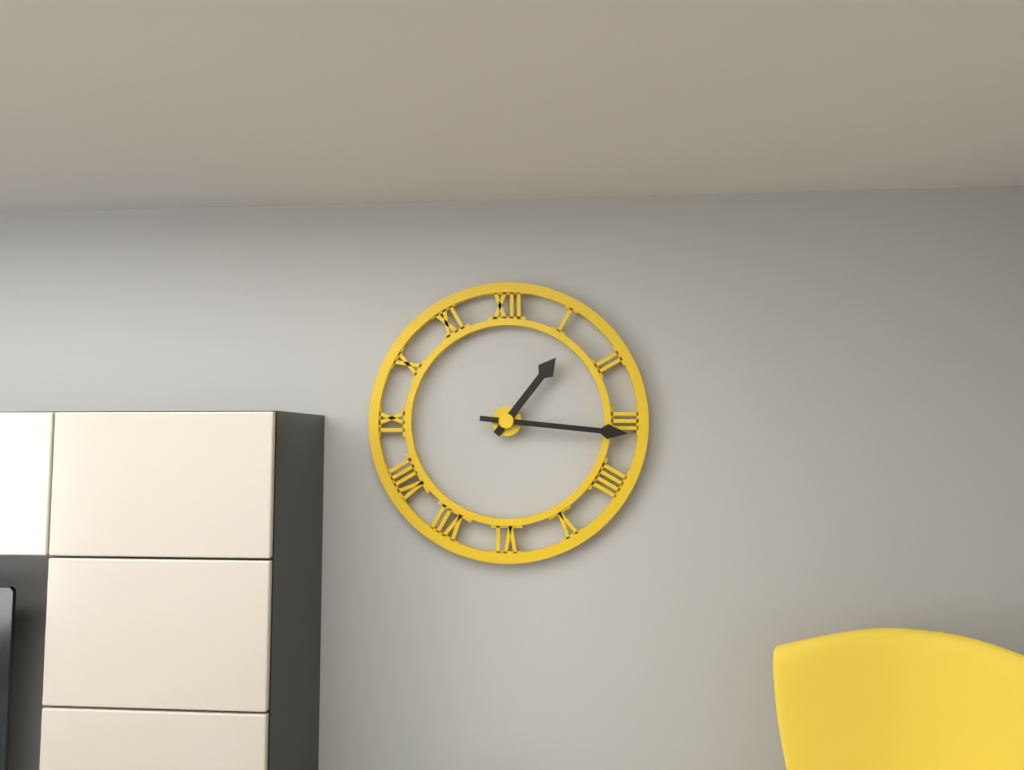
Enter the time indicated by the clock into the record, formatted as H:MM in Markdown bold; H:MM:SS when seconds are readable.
**1:16**
